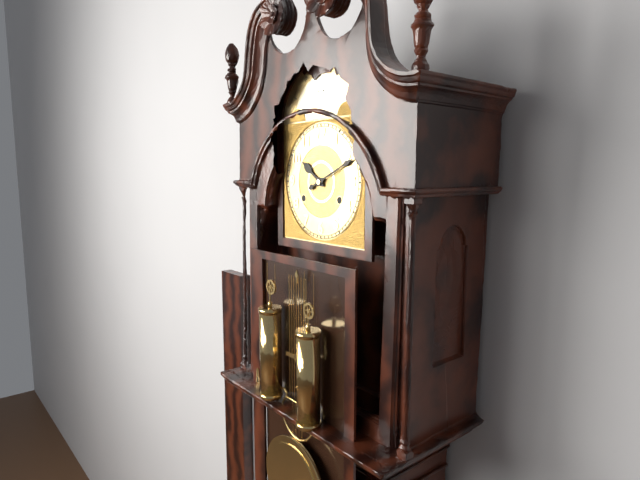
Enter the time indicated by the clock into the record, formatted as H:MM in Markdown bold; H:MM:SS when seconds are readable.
**10:11**
